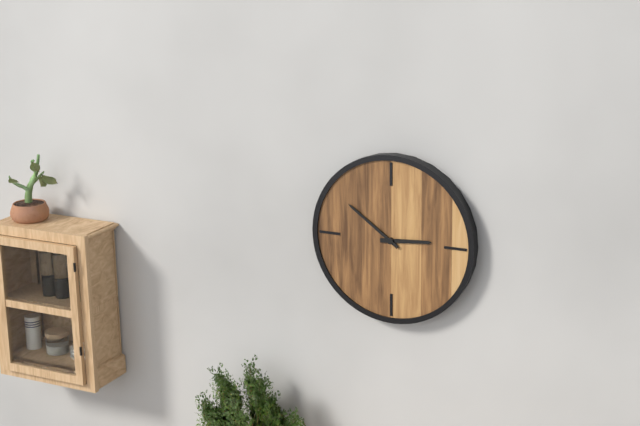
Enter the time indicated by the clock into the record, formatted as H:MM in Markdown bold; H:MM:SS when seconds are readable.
**2:51**
